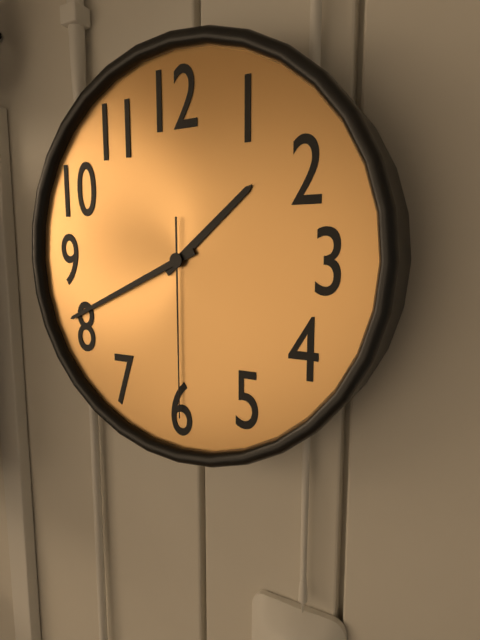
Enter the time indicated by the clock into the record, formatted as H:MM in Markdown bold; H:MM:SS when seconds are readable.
**1:41:30**
